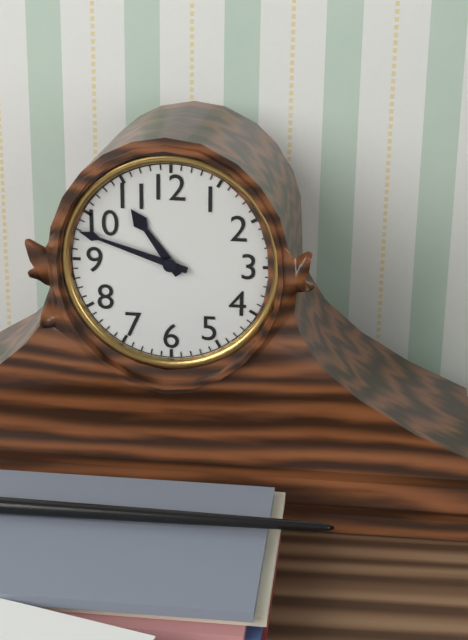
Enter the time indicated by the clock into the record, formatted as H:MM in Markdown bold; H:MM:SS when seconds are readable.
**10:48**
